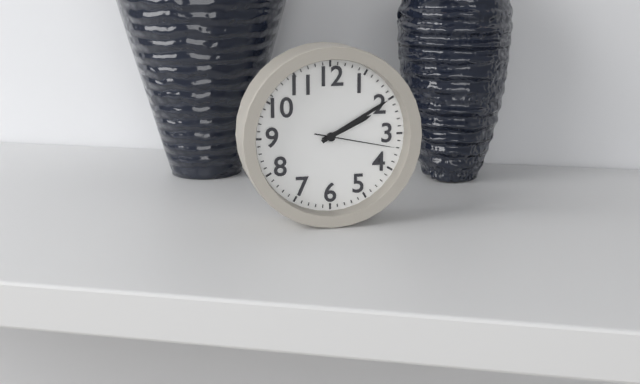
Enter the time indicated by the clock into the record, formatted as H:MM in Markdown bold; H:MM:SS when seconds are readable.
**2:10:17**
